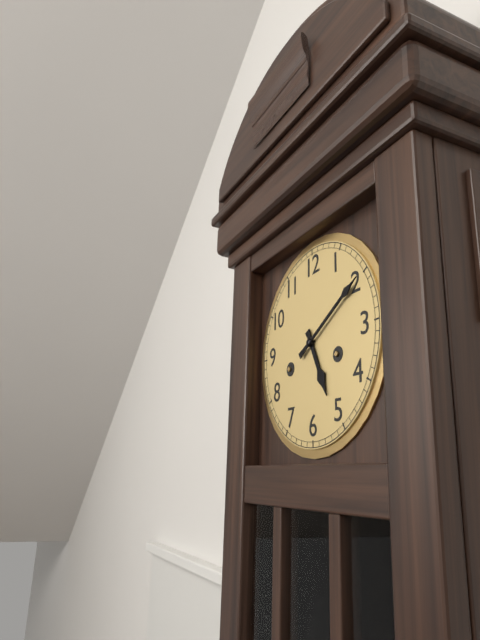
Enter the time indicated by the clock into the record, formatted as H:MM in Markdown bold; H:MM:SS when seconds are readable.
**5:10**
